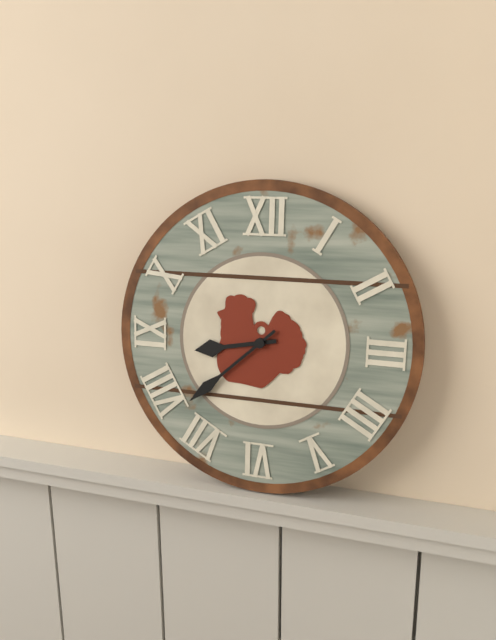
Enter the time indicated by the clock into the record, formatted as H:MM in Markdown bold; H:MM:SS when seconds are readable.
**8:38**
